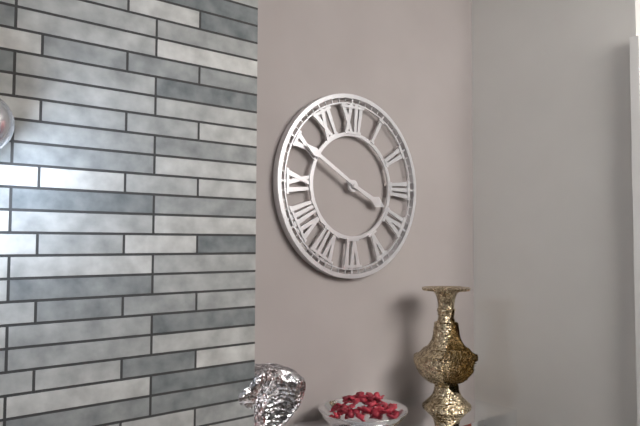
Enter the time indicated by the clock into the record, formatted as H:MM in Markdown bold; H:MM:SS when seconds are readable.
**3:50**
